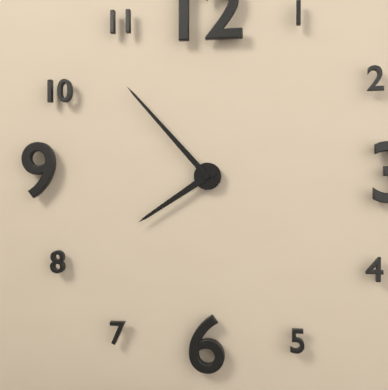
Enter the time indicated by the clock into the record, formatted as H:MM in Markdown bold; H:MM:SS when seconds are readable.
**7:53**
